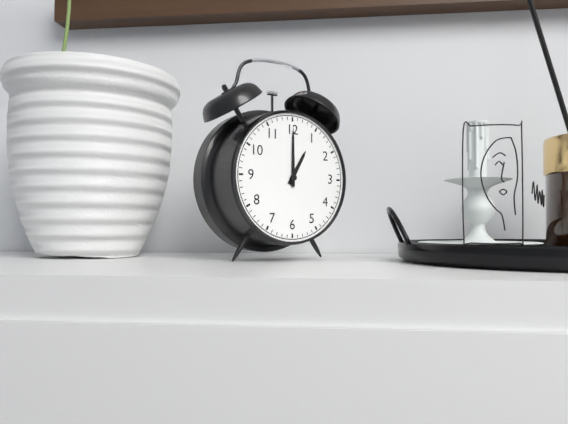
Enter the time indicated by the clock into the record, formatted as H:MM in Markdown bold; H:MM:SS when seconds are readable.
**1:00**
